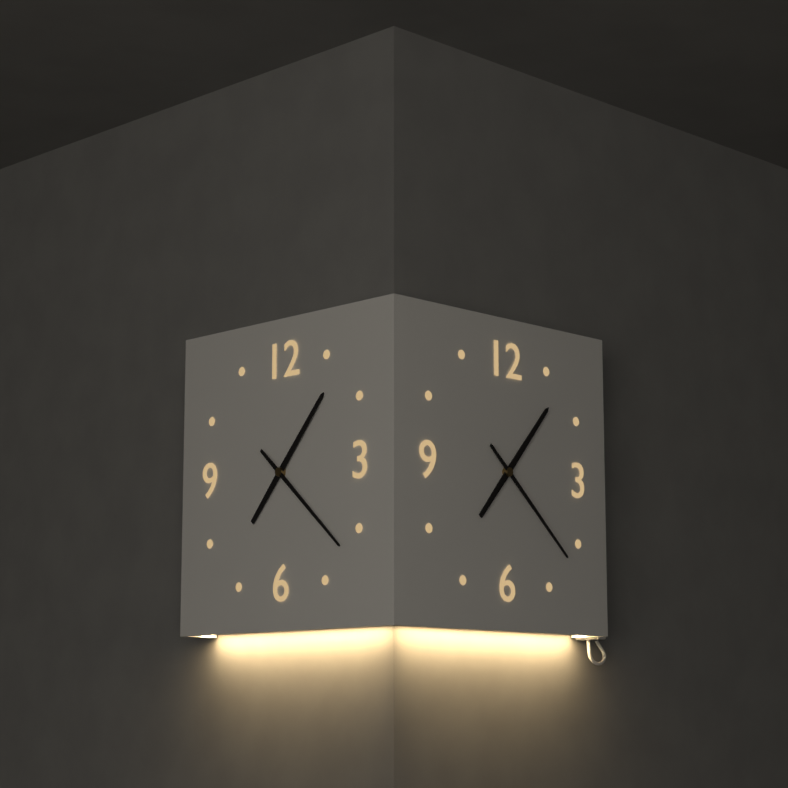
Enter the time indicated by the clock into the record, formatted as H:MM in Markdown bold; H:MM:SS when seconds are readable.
**1:22**
